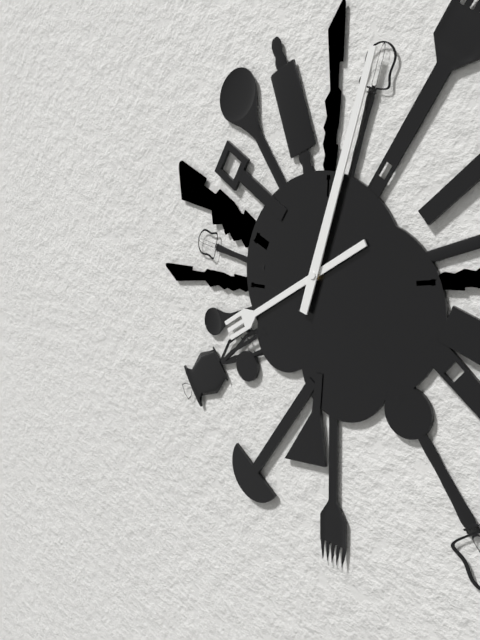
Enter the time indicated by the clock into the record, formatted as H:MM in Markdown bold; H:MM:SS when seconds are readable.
**8:03**
